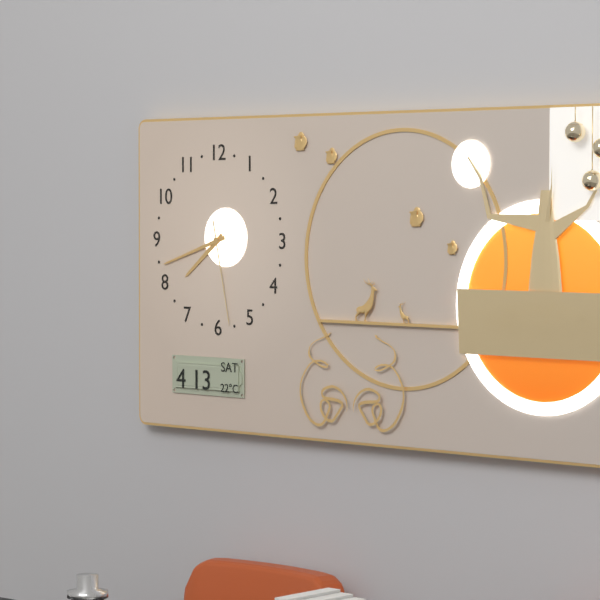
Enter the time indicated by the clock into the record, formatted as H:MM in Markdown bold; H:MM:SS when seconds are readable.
**7:42:28**
